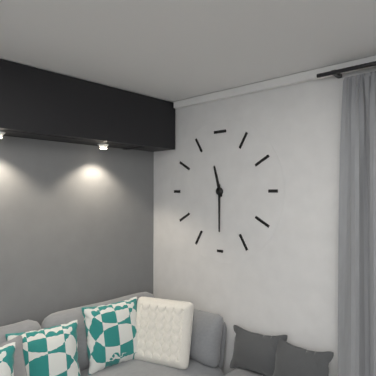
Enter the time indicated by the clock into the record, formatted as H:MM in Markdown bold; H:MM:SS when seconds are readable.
**11:30**
